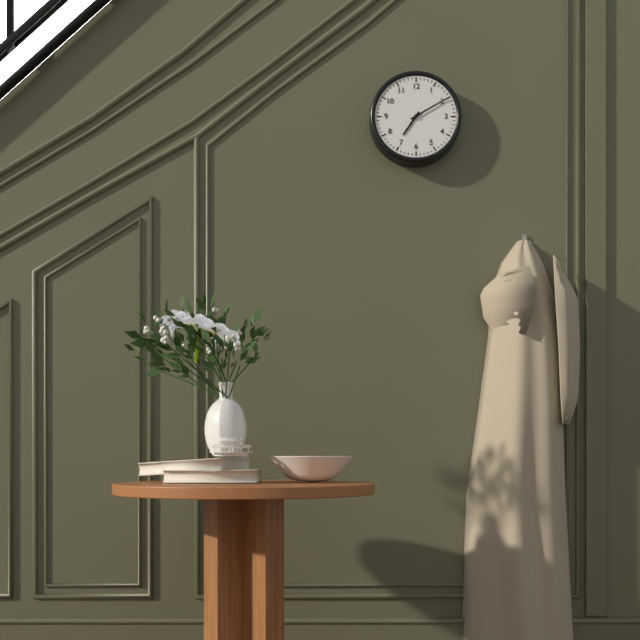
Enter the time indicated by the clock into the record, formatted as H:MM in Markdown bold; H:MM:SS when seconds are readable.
**7:10**
